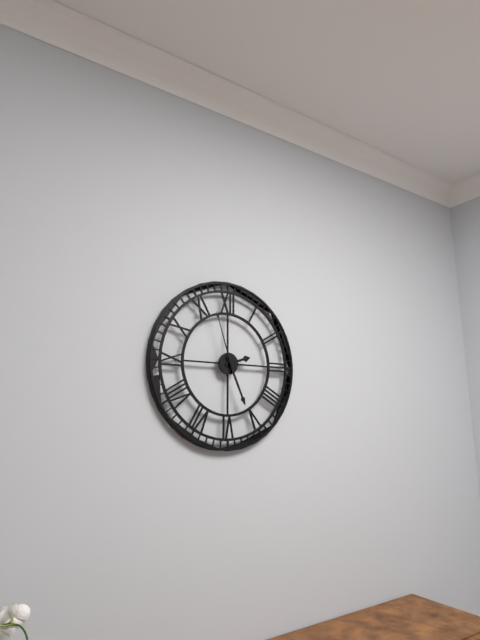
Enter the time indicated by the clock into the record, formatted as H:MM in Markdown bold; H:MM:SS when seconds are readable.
**2:26:57**
